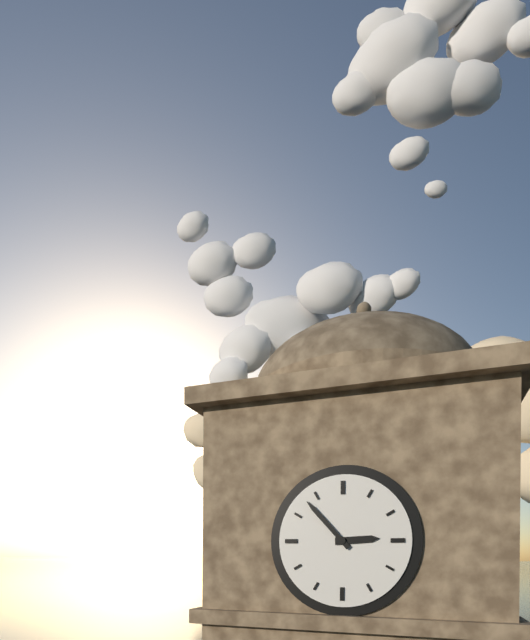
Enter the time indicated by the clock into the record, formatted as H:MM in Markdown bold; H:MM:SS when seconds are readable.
**2:53**
